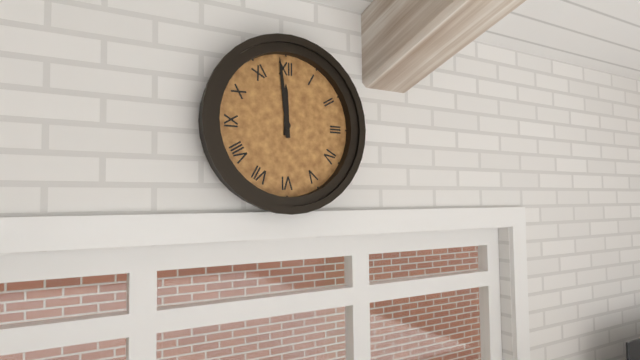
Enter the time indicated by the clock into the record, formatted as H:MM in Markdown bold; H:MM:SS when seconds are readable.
**11:59**
